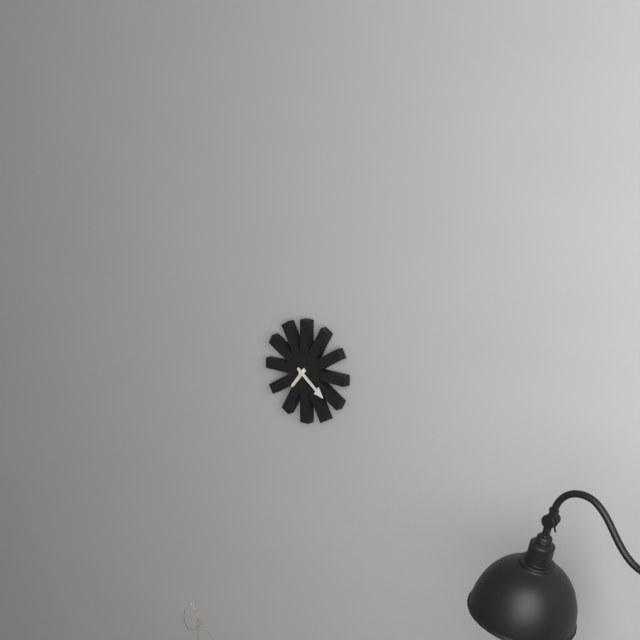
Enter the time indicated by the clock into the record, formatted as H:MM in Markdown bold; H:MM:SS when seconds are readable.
**7:21**
